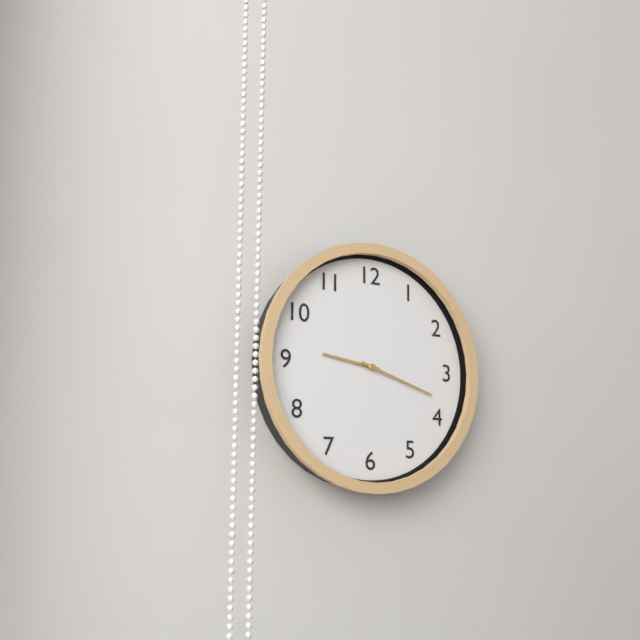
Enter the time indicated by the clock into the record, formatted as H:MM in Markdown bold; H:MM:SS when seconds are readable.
**9:18**
